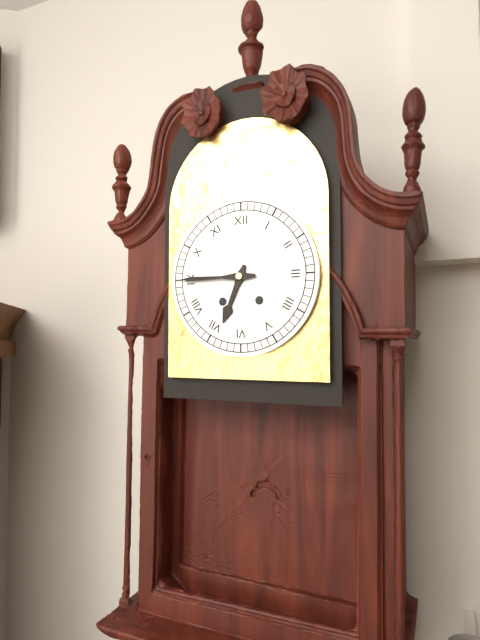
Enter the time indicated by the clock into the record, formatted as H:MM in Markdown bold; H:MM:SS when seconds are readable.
**6:45**
